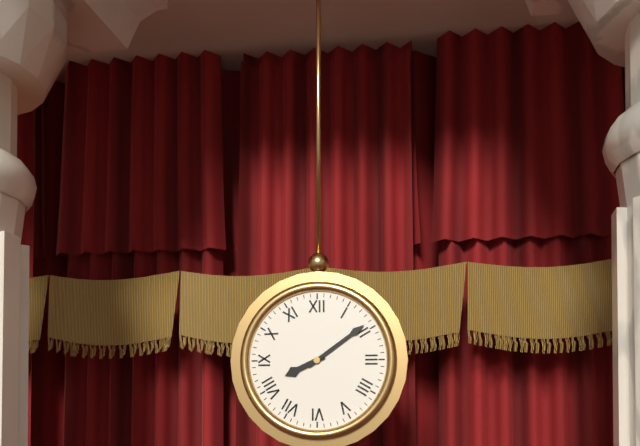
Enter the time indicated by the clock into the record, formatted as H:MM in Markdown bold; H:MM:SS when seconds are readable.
**8:09**
